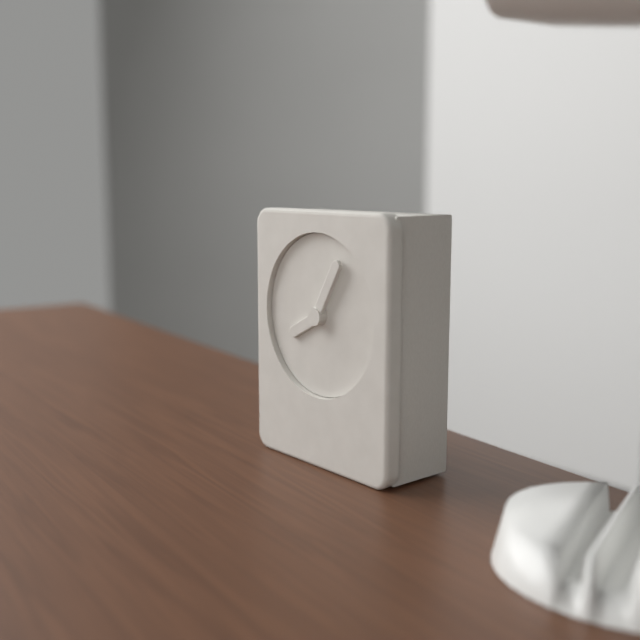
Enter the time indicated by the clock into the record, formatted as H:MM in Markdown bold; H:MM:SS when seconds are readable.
**8:05**
